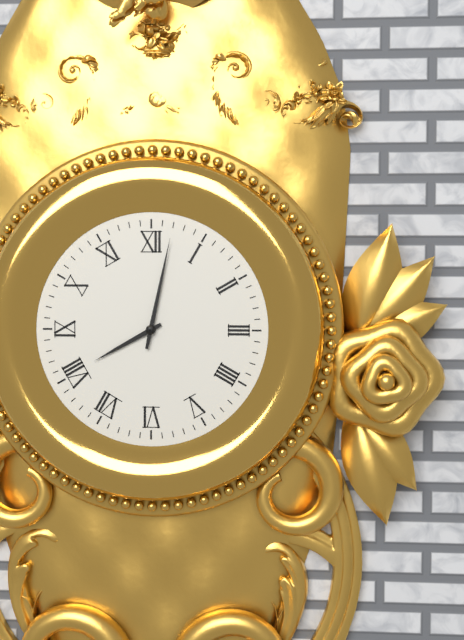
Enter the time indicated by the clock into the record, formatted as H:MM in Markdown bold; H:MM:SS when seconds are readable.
**8:02**
